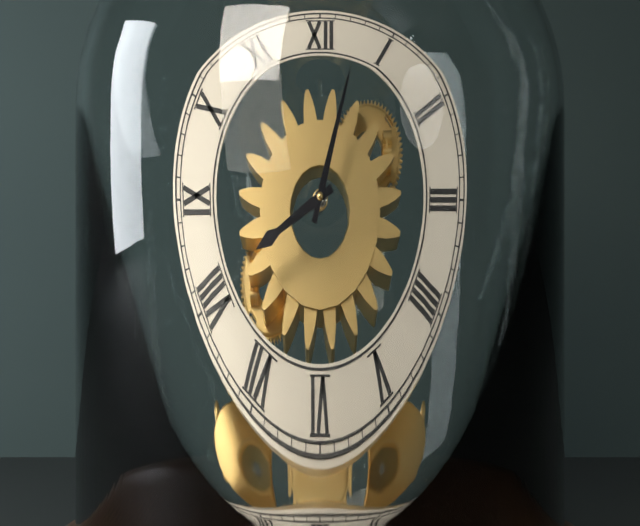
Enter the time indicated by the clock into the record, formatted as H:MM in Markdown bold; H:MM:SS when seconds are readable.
**8:03**
